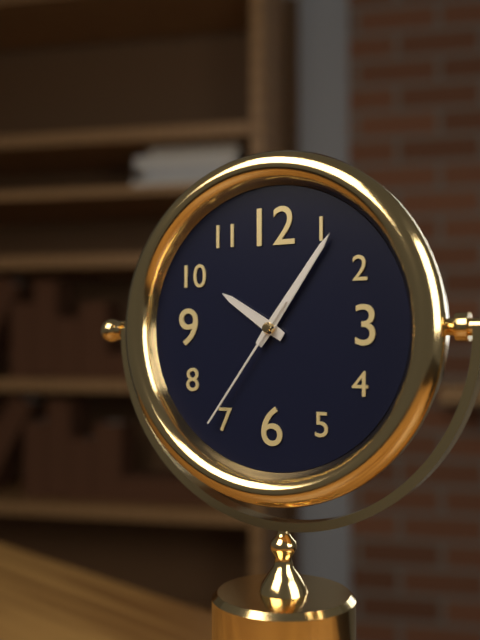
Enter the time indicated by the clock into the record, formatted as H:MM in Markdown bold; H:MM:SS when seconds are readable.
**10:06:36**
